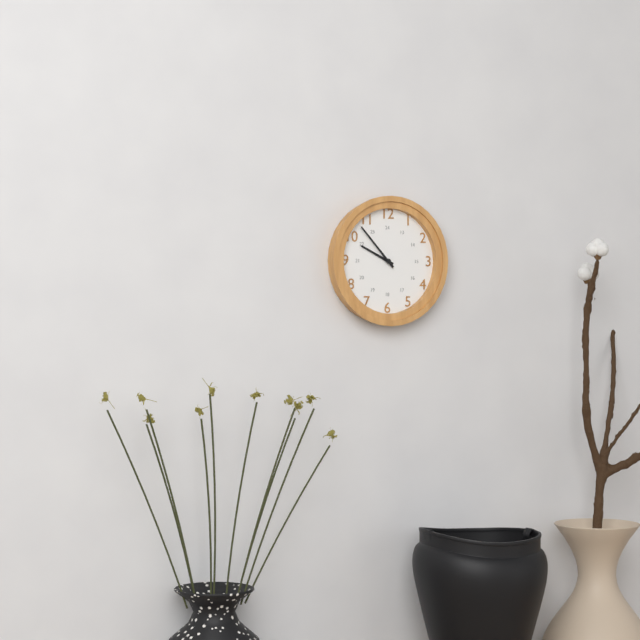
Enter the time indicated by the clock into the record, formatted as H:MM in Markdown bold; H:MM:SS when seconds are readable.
**9:53**
